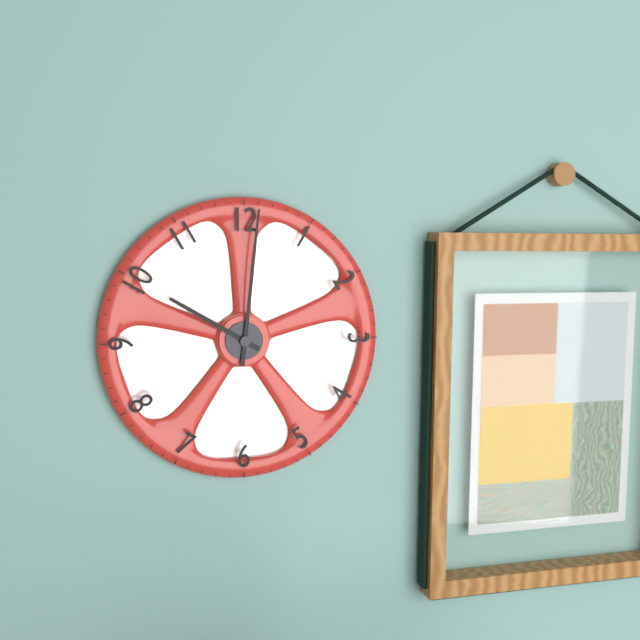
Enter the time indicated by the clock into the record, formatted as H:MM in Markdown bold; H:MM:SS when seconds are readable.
**10:01**
